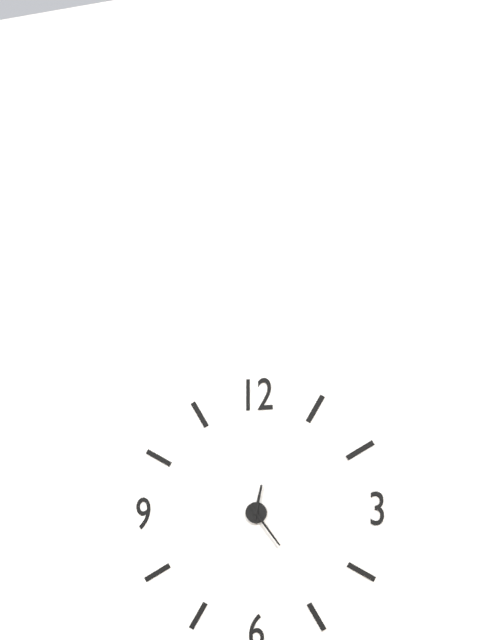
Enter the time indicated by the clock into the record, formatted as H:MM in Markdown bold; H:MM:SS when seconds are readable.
**12:24**
